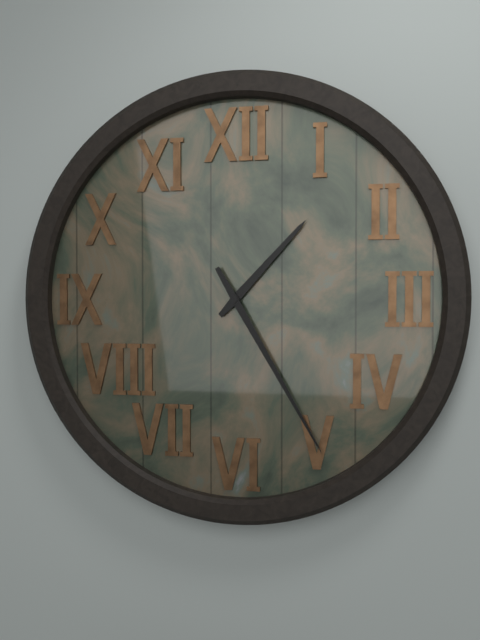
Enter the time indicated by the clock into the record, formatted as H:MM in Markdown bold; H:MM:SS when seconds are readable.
**1:25**
